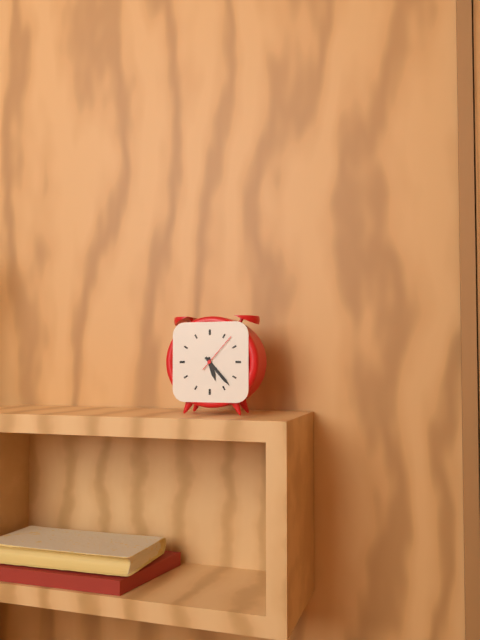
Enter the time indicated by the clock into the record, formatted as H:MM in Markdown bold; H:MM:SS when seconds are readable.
**5:23**
